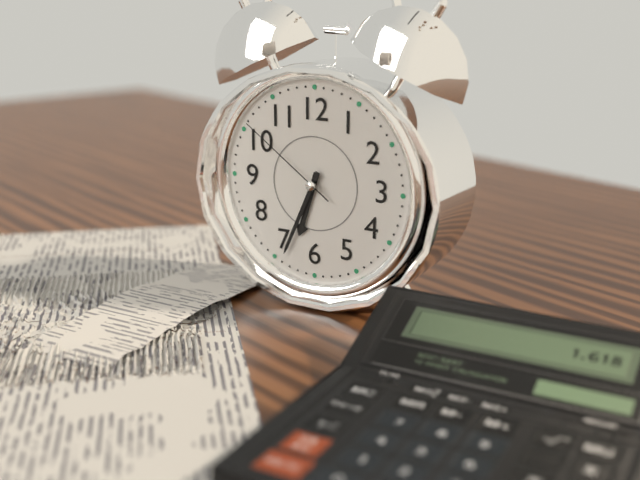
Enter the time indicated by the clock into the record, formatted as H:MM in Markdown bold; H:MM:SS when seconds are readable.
**6:34:51**
